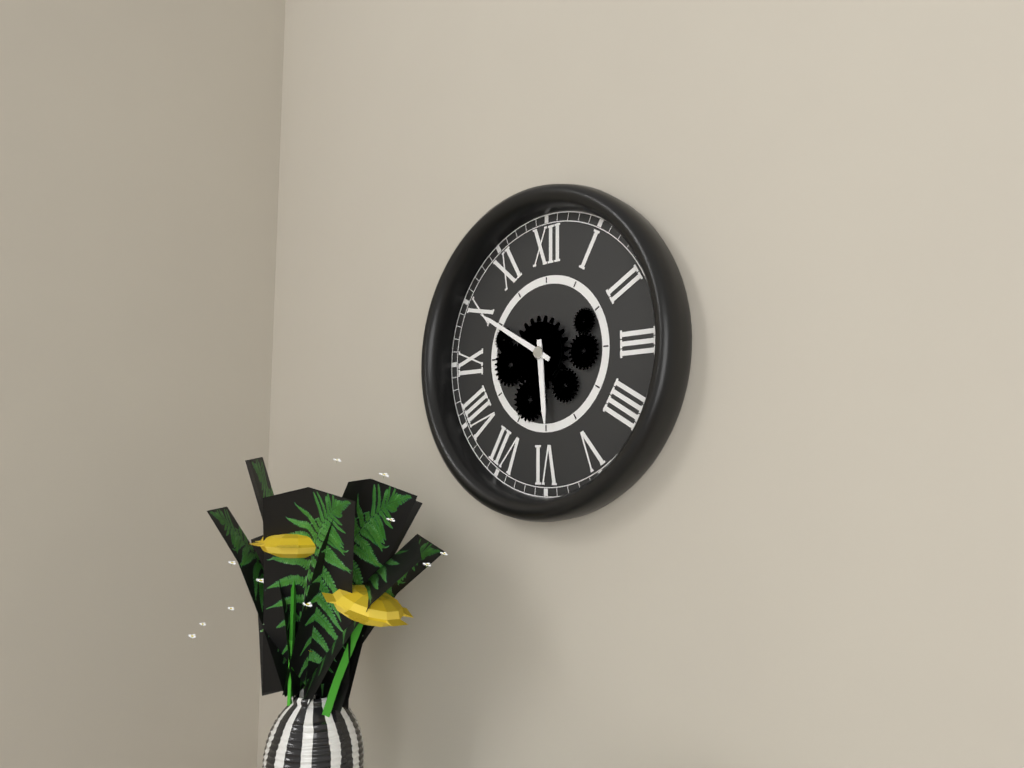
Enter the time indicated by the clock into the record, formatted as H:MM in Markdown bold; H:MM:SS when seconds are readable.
**5:50**
